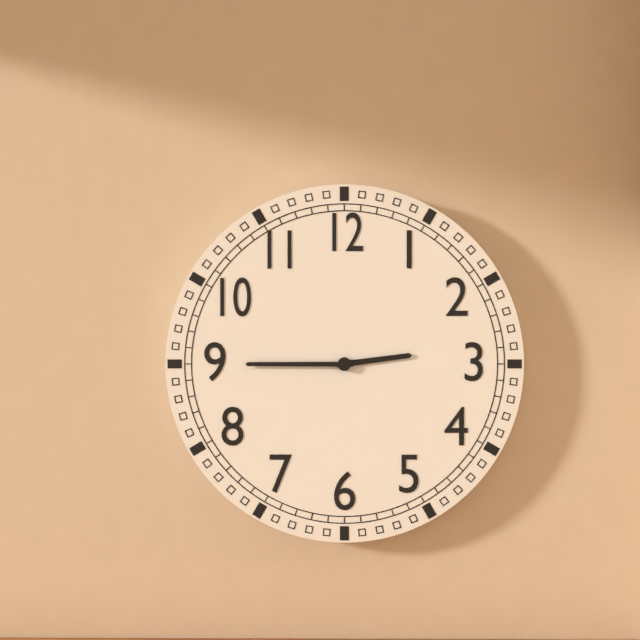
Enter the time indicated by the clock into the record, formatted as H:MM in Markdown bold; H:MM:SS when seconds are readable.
**2:45**
